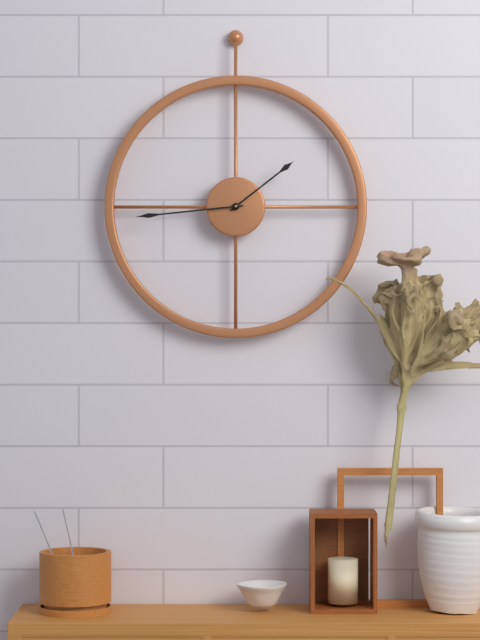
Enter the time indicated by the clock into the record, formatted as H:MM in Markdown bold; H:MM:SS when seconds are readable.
**1:44**
